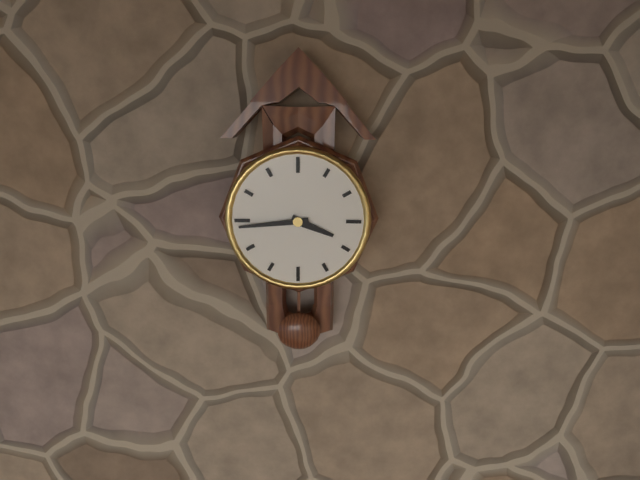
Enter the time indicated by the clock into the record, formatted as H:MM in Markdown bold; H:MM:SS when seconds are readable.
**3:44**
